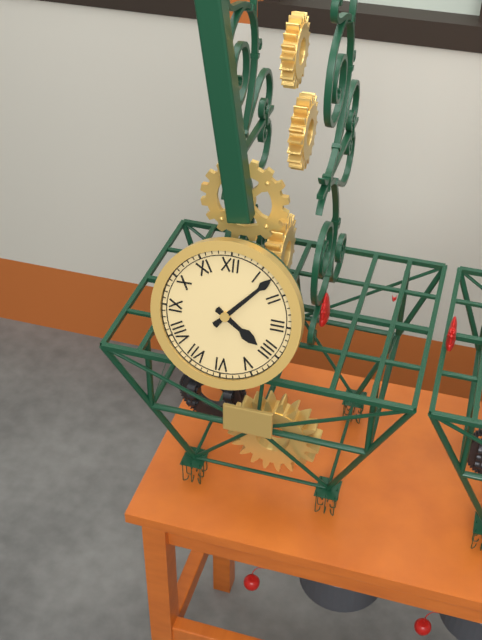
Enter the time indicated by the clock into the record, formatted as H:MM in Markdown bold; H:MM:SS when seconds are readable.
**4:07**
